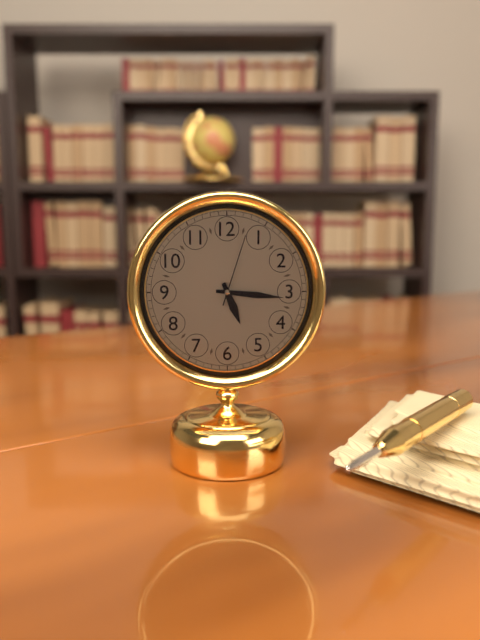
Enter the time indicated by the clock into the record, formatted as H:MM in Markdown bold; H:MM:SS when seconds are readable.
**5:16:03**
